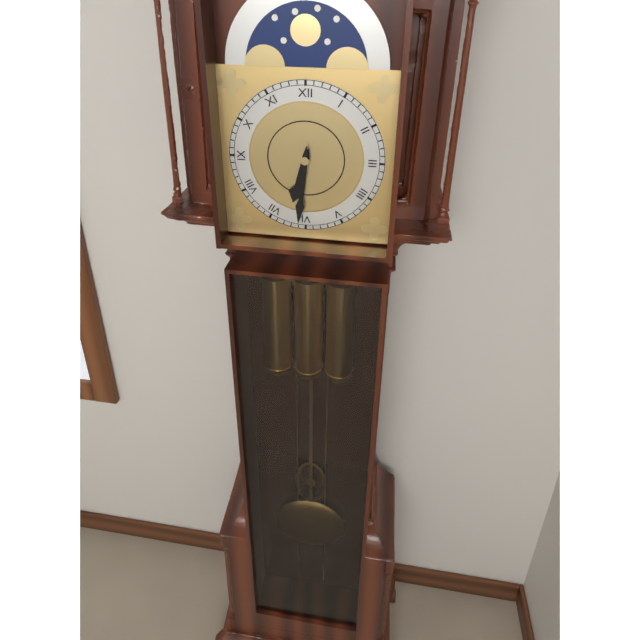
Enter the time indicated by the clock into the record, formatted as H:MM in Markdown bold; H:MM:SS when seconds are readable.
**6:31**
